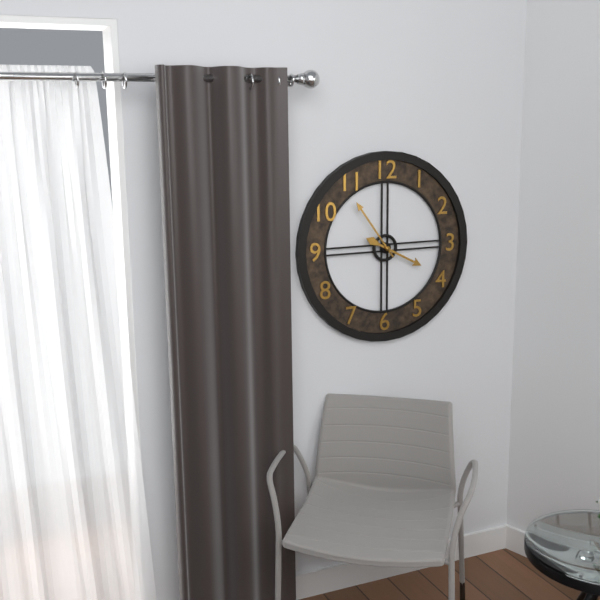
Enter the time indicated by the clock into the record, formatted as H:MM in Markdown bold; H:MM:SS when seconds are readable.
**3:54**
